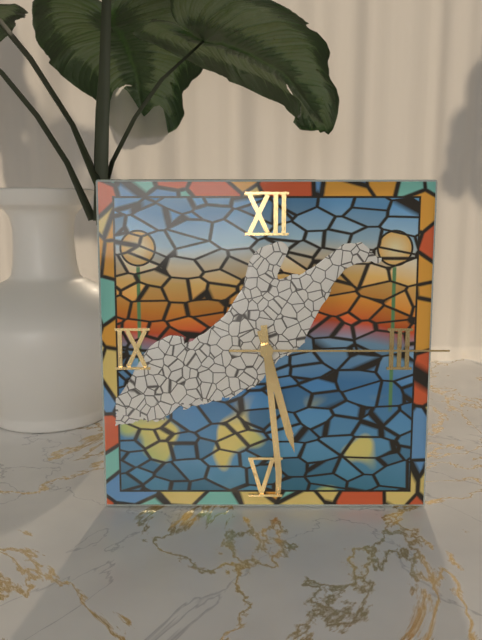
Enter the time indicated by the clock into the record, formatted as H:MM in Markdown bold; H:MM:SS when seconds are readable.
**5:29:15**
